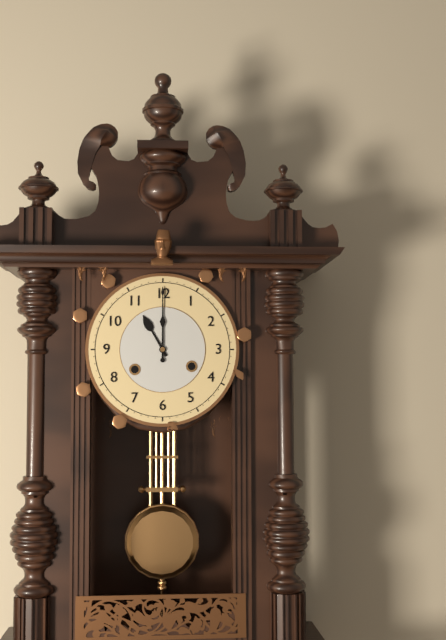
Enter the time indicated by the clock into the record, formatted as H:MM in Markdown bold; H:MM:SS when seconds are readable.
**11:00**
